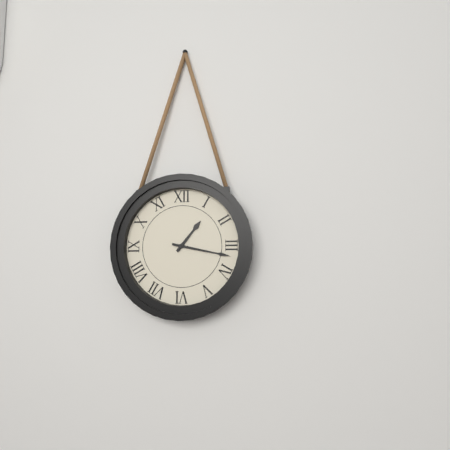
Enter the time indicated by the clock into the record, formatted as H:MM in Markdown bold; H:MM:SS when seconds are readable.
**1:17**
